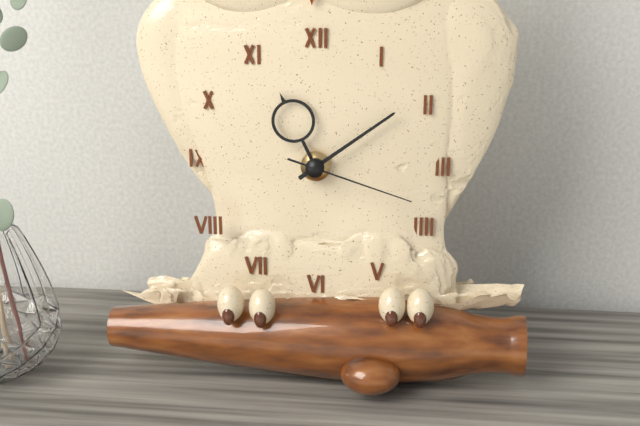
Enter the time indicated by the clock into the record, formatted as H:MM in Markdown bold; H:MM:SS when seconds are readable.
**11:09:18**
